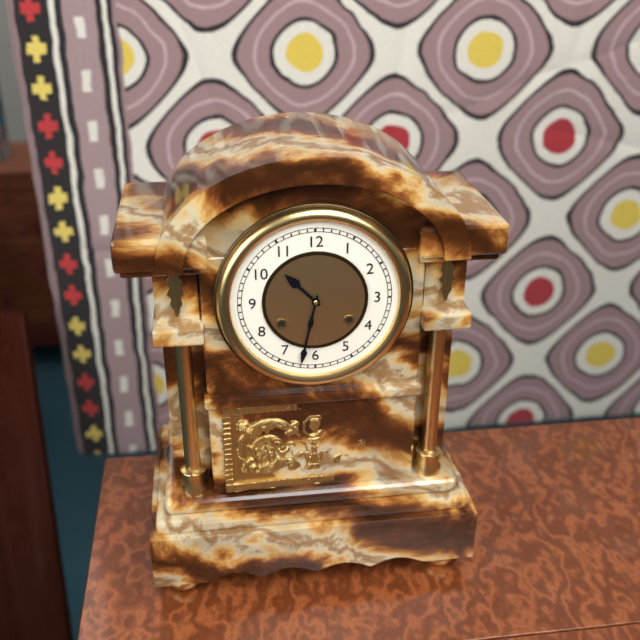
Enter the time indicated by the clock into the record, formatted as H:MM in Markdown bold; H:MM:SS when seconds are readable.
**10:32**
